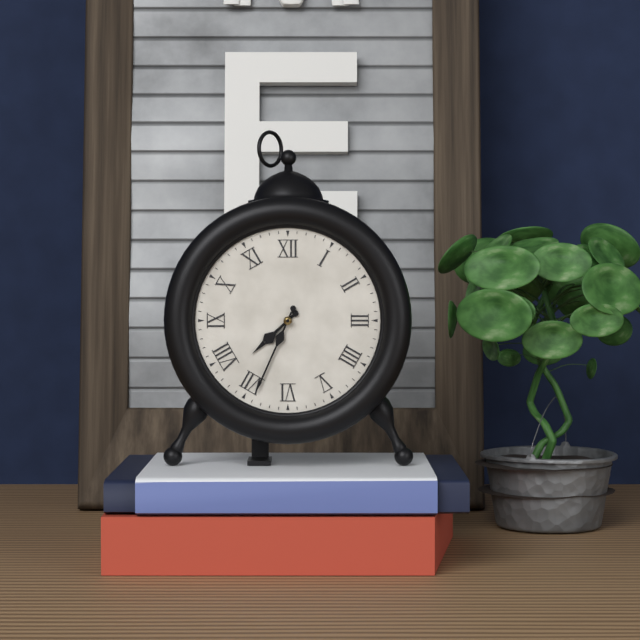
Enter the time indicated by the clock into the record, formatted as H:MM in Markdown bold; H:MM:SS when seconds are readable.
**7:34**
